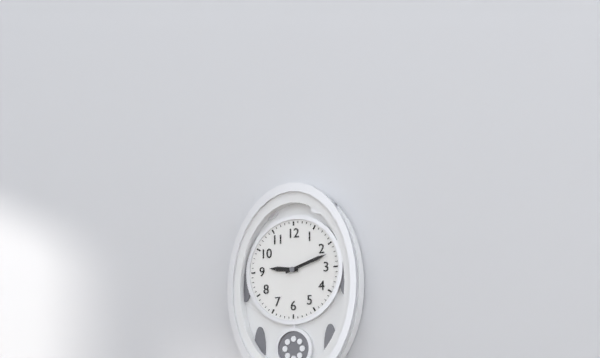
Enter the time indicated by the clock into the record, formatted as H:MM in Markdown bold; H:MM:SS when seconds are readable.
**9:12**
